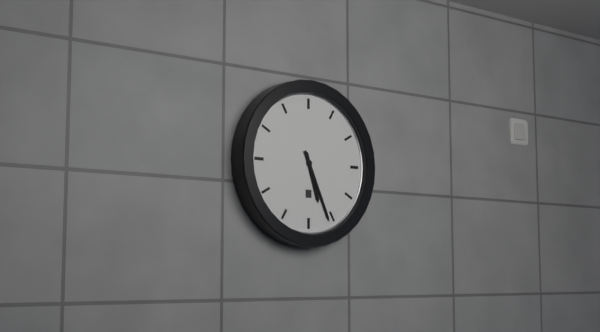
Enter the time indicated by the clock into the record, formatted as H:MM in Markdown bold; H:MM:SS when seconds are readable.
**5:26**
